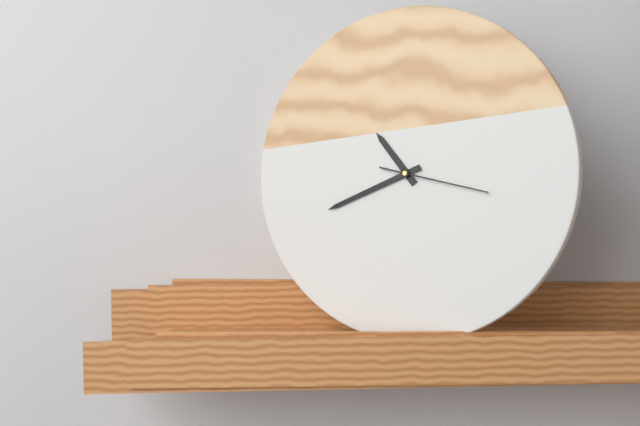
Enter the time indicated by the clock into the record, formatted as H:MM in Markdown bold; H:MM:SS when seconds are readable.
**10:41:17**
